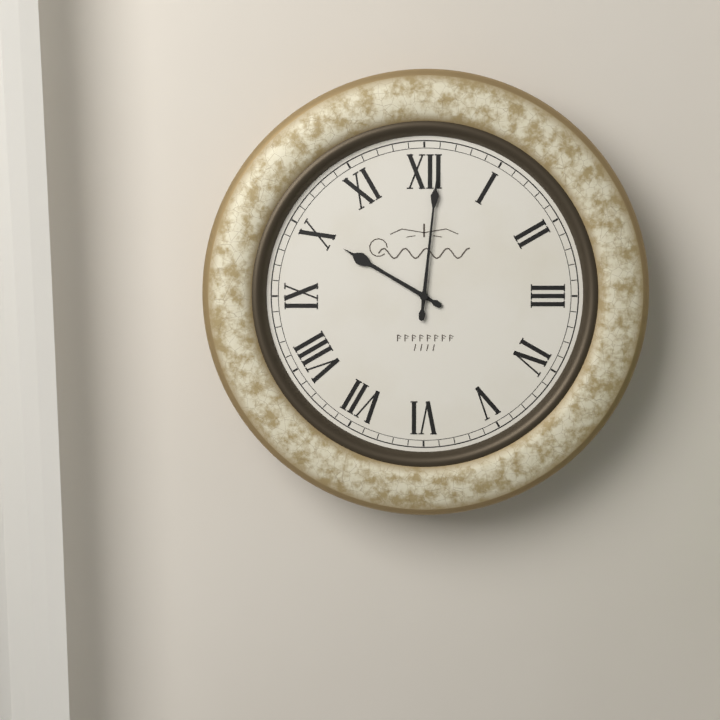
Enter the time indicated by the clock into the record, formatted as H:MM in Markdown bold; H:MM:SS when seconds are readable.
**10:01**
